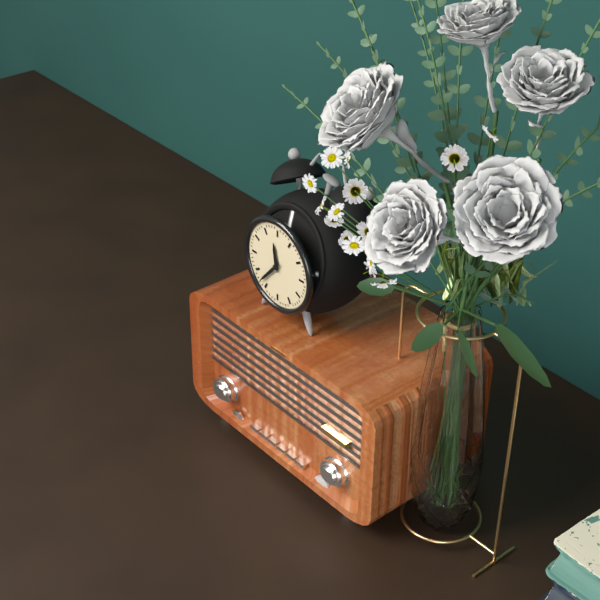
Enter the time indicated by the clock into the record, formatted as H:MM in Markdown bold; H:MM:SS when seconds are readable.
**11:37**
